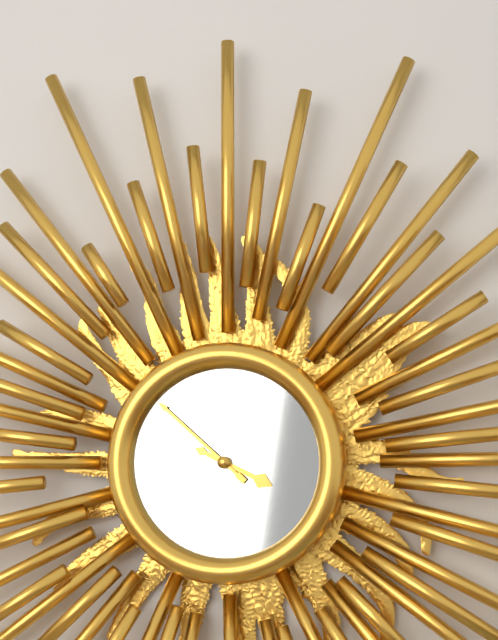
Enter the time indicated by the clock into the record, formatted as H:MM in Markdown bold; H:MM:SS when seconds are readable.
**3:52**
